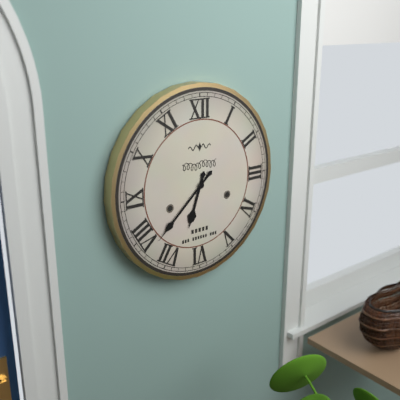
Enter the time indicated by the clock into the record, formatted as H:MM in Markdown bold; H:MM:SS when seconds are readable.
**6:38**
